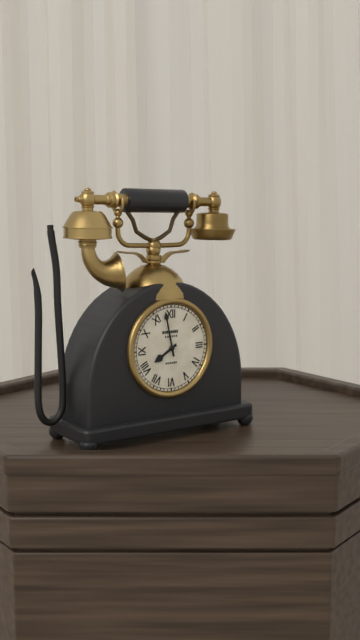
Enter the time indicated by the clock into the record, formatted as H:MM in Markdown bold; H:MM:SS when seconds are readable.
**7:58**
